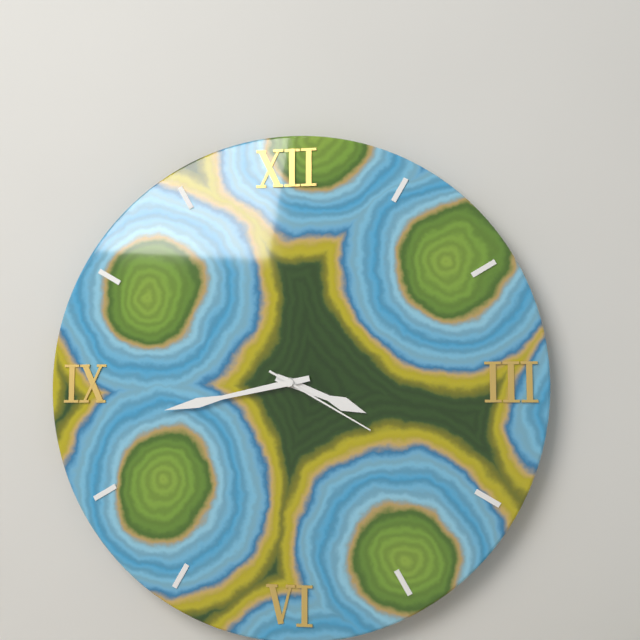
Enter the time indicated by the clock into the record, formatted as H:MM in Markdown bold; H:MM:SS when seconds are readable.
**3:43:20**
